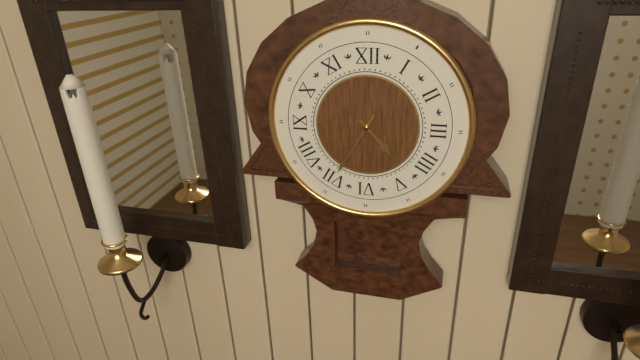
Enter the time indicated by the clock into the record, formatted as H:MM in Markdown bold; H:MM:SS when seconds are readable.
**4:35**
